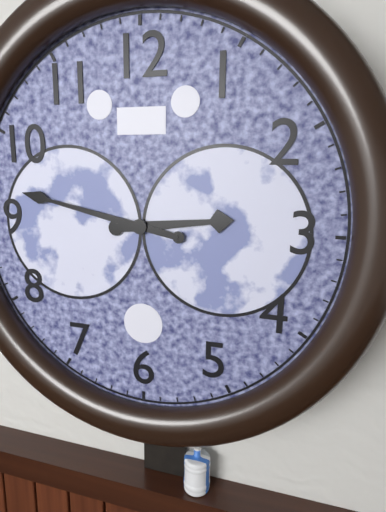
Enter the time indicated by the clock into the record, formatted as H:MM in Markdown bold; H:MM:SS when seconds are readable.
**2:47**
